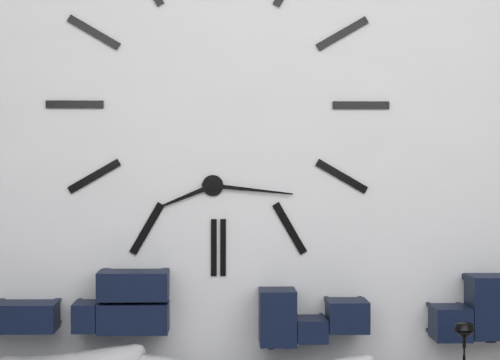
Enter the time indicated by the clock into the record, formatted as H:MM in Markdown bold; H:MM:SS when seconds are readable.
**8:16**
